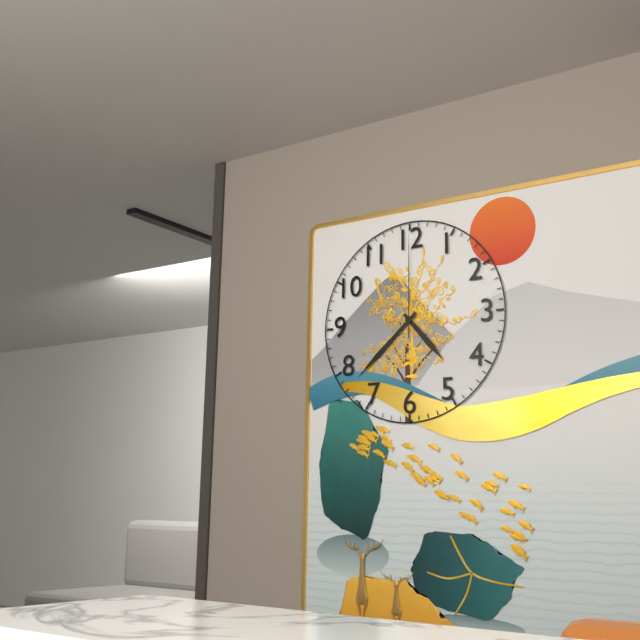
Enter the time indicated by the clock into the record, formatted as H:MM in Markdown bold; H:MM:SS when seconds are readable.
**4:38:00**
